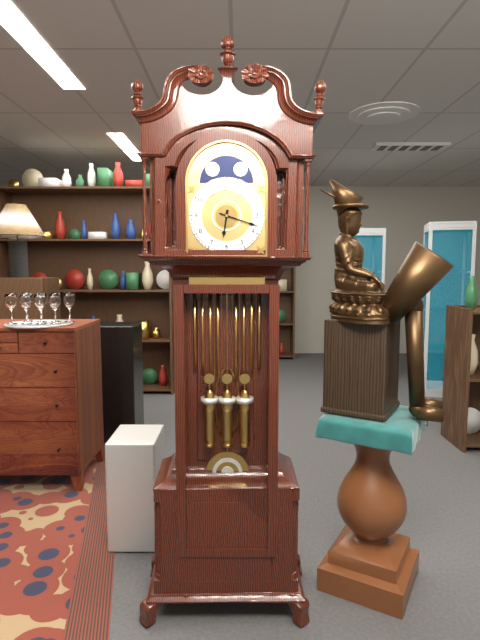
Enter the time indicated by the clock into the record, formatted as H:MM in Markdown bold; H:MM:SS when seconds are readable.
**6:18**
